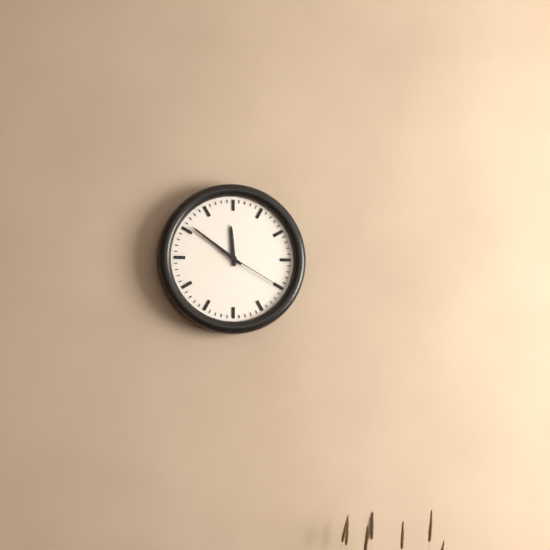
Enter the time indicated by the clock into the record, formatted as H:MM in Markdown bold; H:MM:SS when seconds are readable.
**11:51:20**
